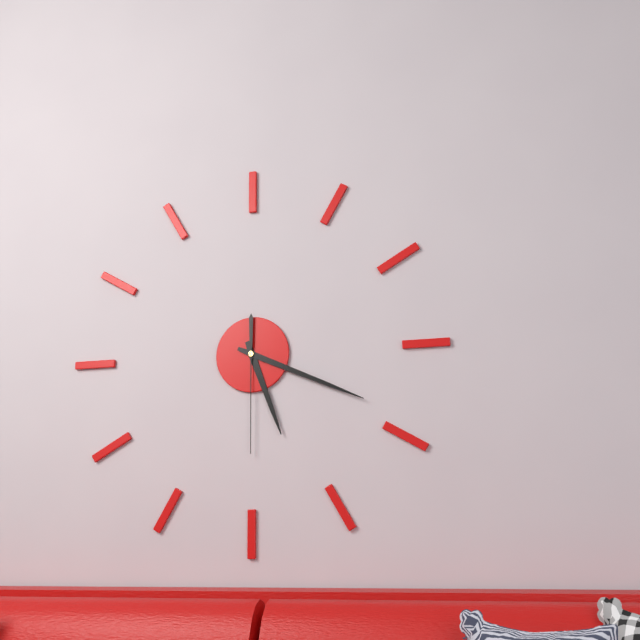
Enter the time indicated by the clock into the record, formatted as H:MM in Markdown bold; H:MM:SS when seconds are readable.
**5:19:30**
